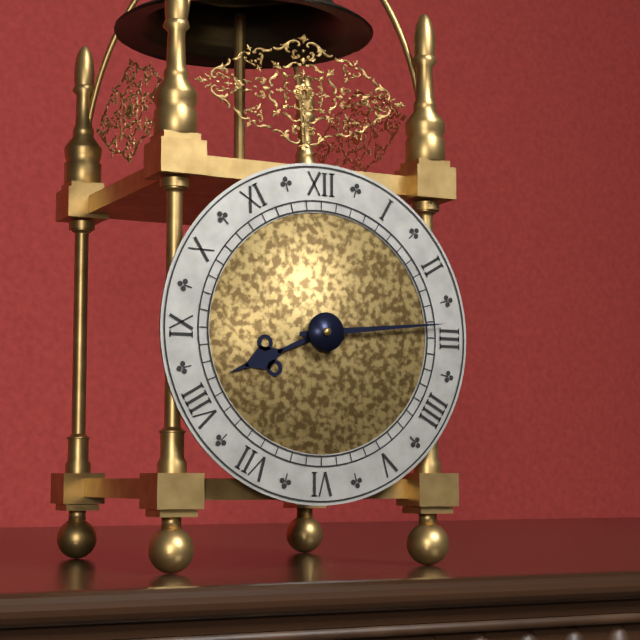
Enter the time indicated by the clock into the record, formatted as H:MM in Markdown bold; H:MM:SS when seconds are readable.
**8:14**
